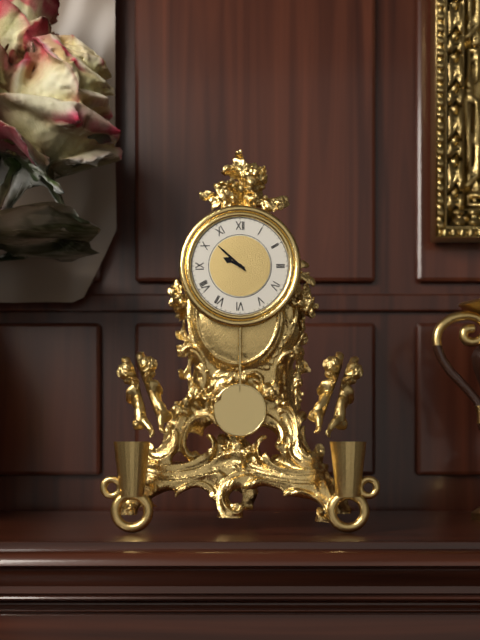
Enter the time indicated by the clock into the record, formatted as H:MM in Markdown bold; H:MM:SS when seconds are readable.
**9:52**
